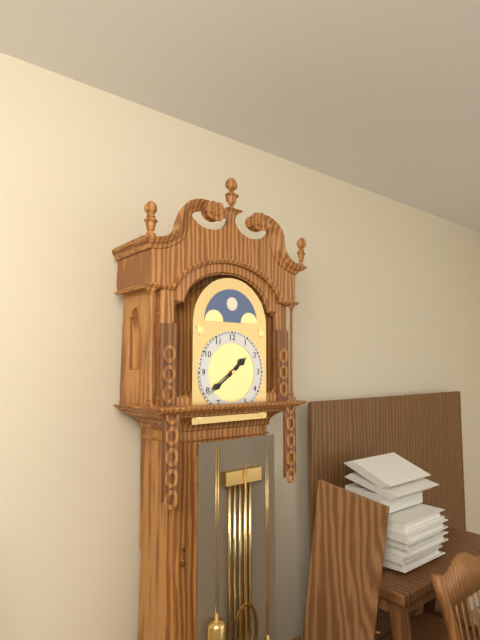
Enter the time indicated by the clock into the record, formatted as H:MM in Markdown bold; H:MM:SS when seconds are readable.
**1:39**
